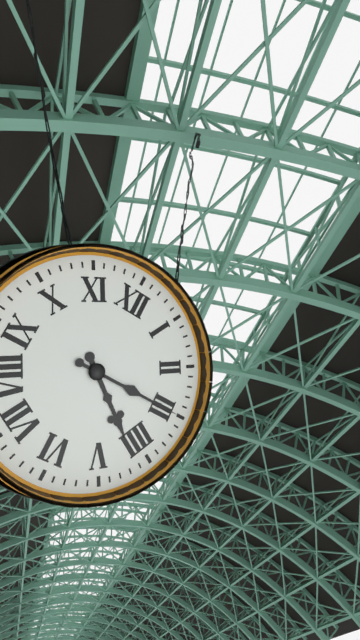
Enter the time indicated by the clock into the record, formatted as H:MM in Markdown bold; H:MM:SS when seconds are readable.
**4:15**
